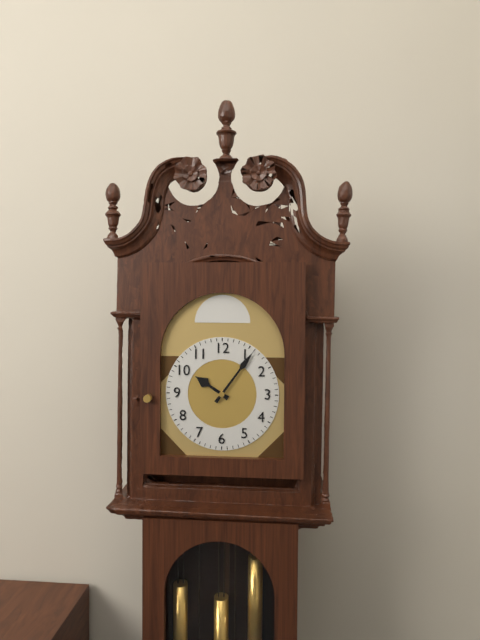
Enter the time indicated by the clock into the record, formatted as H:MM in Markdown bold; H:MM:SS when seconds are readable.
**10:06**
